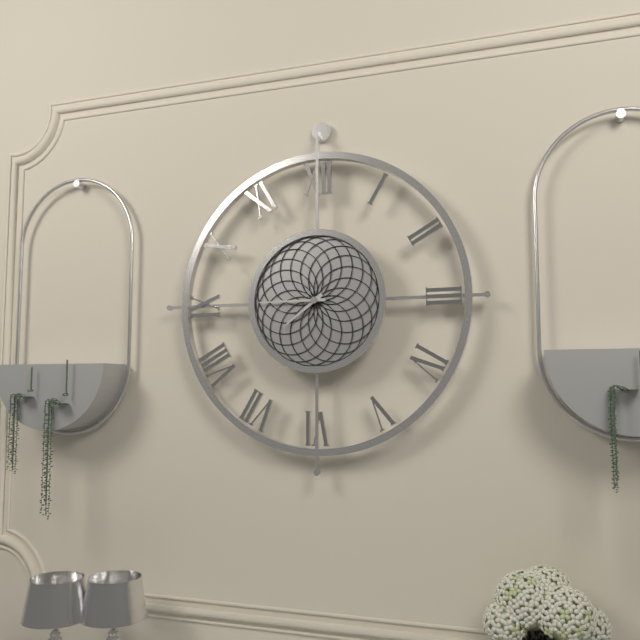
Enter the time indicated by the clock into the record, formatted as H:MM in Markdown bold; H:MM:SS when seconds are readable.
**7:45**
